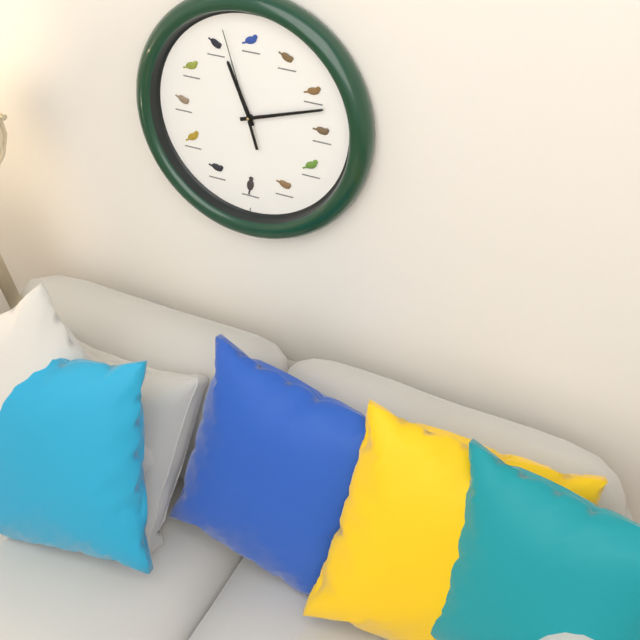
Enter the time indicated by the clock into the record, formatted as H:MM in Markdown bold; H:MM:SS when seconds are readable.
**11:12:57**
